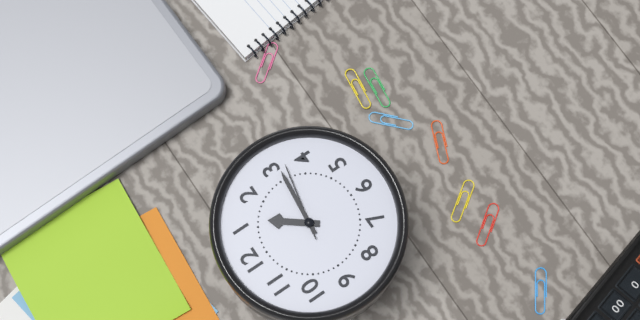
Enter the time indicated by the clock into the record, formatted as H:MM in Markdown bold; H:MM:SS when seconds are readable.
**1:16:17**
